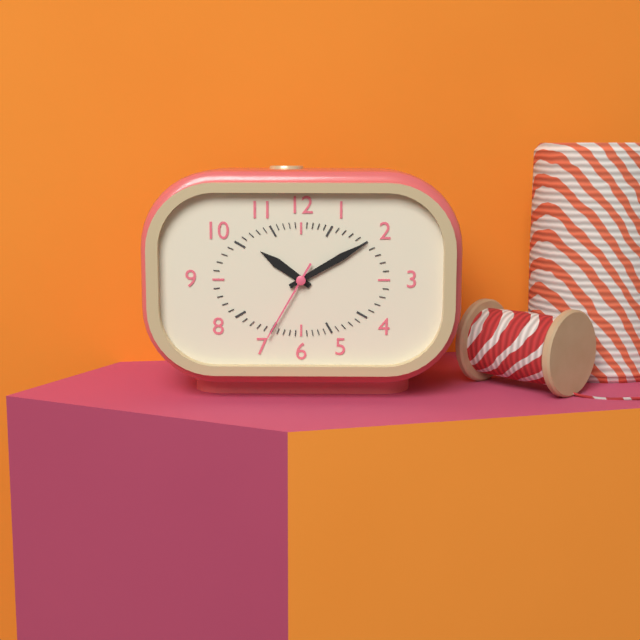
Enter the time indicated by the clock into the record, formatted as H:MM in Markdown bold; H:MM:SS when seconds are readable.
**10:10:35**
